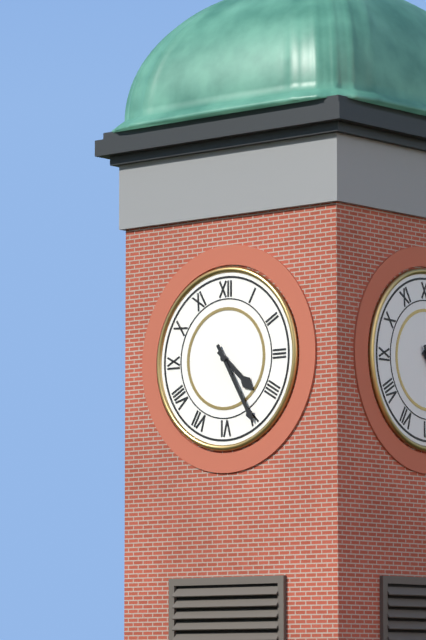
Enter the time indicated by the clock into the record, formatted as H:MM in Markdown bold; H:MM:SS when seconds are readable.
**4:25**
